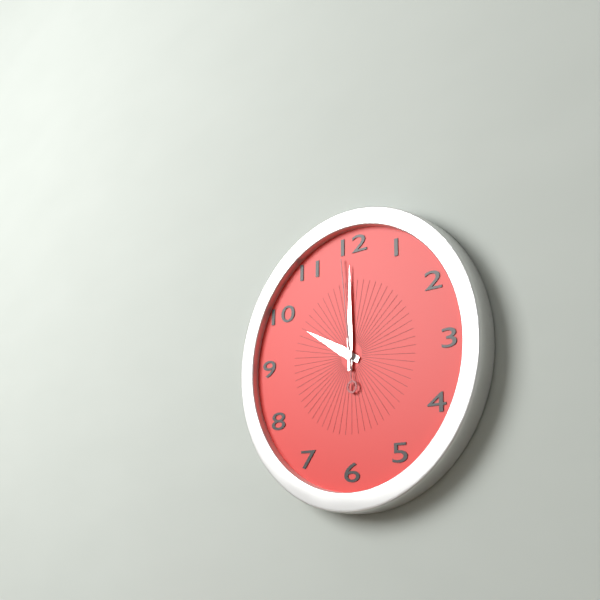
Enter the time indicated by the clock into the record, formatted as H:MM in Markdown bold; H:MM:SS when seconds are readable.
**10:00:59**
